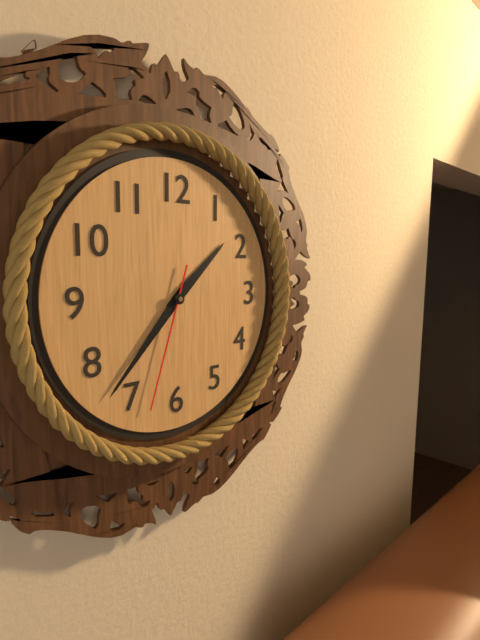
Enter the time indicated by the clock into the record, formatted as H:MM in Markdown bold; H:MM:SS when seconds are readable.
**1:37:33**
